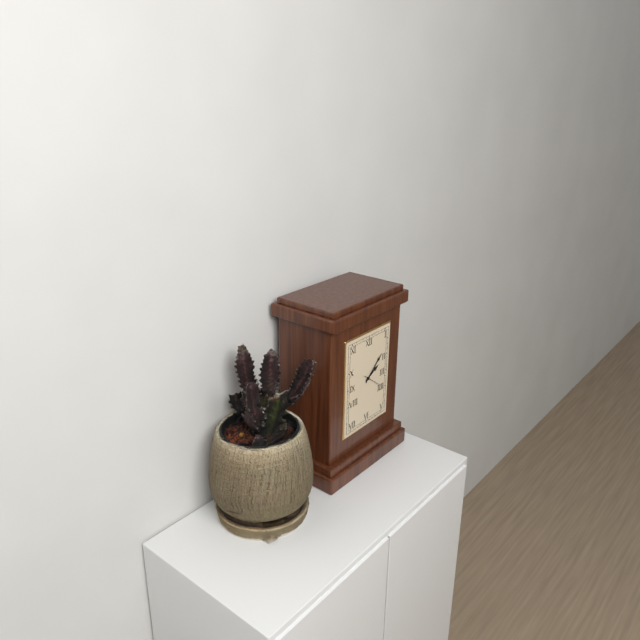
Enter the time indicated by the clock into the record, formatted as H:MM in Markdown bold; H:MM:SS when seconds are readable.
**2:08:21**
